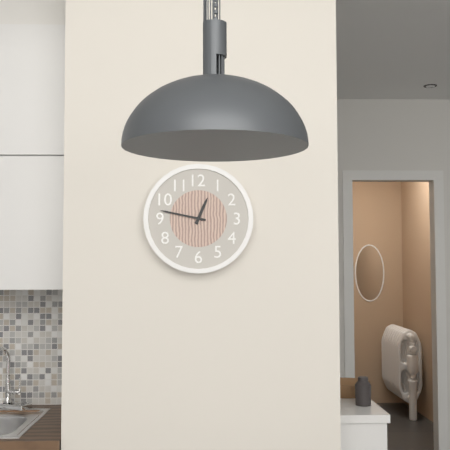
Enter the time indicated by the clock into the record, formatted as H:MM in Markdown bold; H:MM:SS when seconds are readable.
**12:47**
